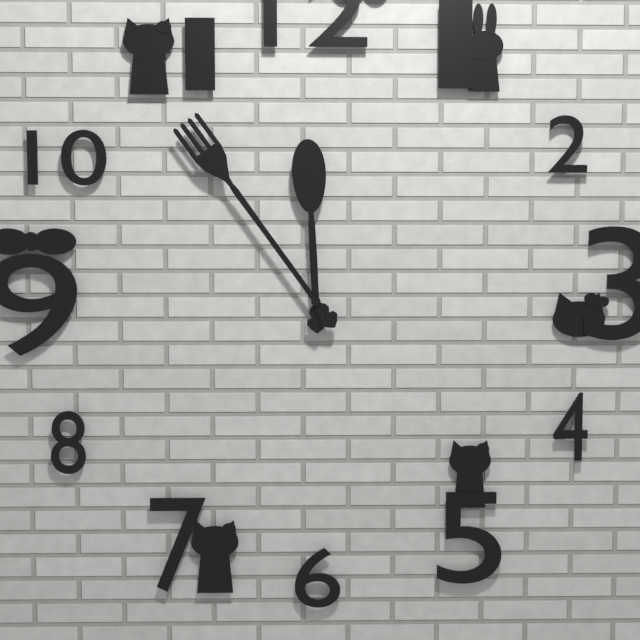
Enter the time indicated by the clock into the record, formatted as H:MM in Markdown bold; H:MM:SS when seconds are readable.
**11:54**
